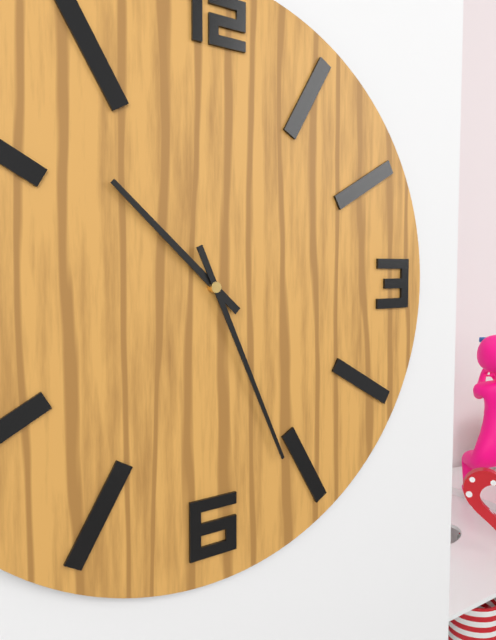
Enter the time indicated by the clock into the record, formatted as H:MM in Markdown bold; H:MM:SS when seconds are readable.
**10:26**
